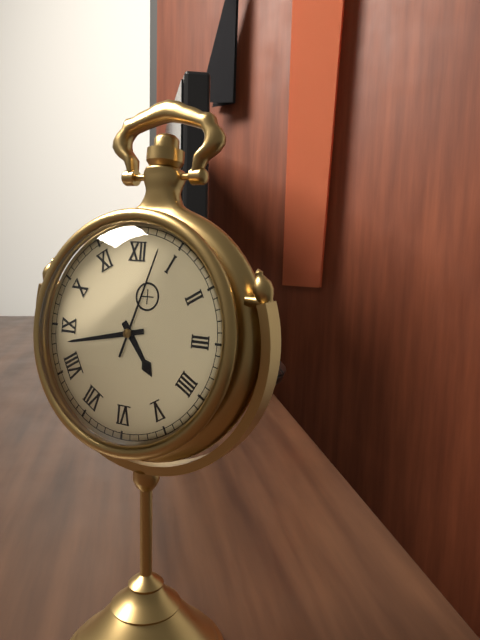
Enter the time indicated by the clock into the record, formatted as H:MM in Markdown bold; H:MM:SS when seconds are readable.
**4:43:03**
